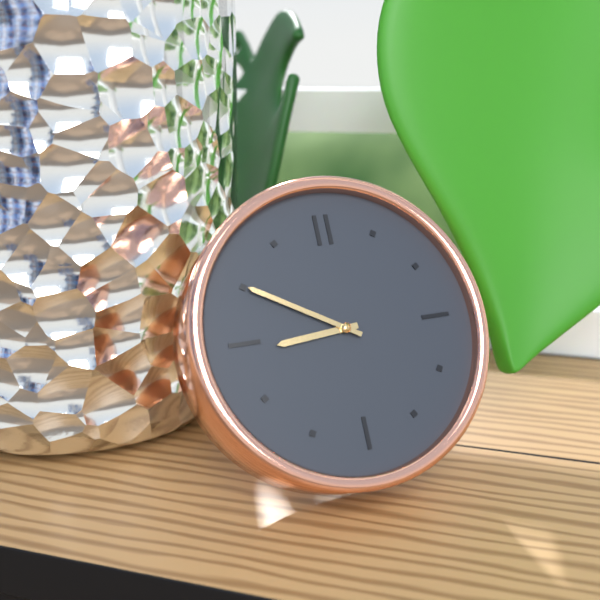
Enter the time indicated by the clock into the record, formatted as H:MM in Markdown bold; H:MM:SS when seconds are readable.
**8:50**
